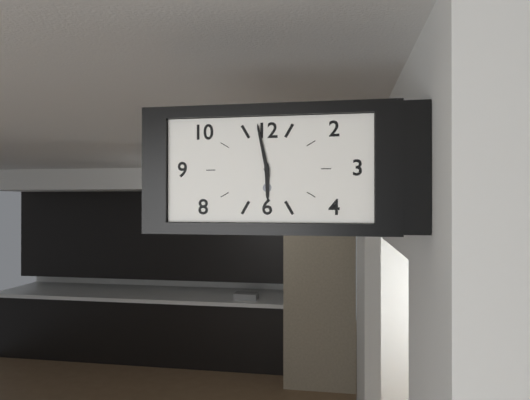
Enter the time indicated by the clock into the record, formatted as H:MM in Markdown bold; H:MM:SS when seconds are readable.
**5:58**
